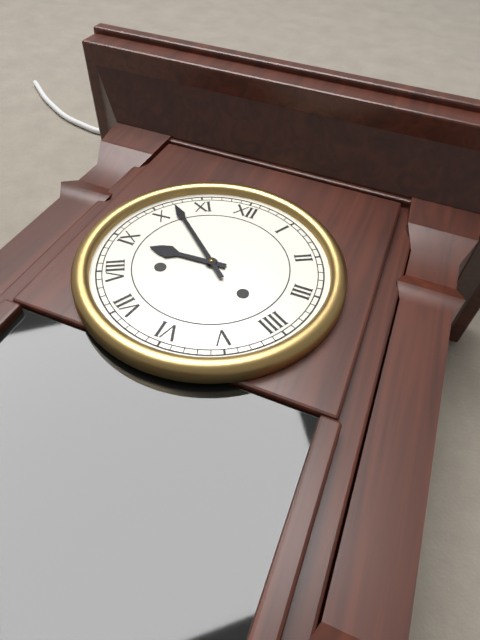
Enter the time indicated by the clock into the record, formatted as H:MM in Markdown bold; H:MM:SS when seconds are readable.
**8:52**
